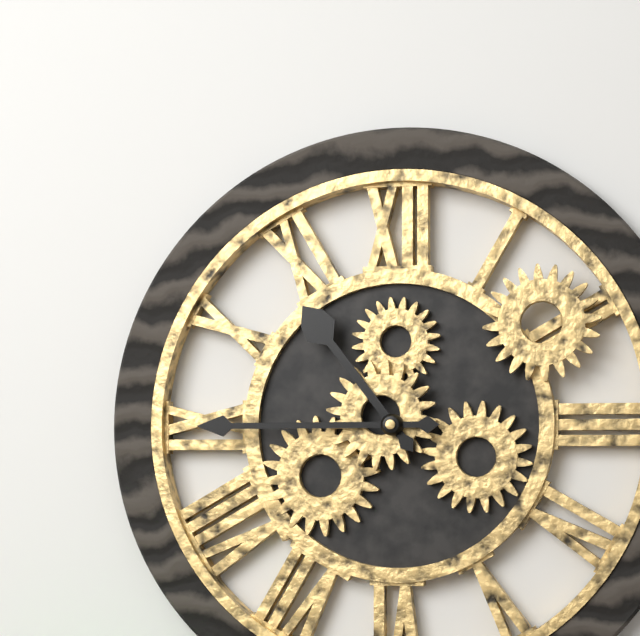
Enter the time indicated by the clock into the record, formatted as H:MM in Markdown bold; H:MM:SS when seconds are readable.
**10:45**
